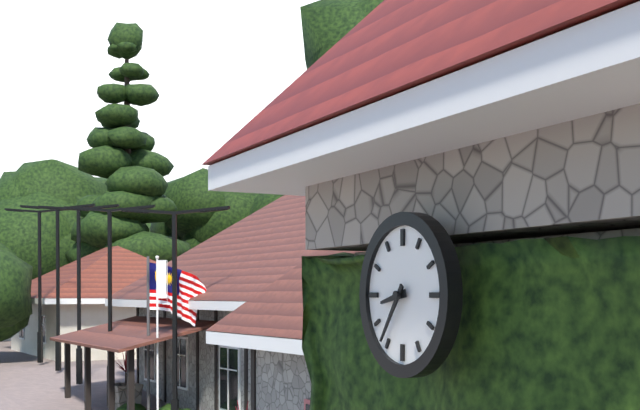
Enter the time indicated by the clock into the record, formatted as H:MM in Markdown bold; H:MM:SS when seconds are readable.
**8:36**
